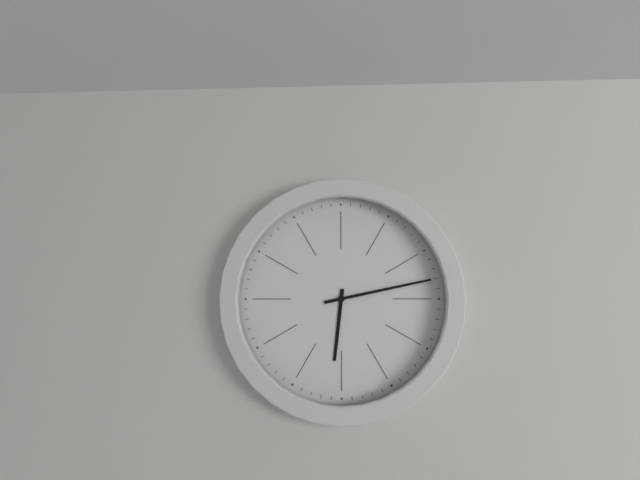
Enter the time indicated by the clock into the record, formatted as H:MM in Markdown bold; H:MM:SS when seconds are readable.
**6:13**
